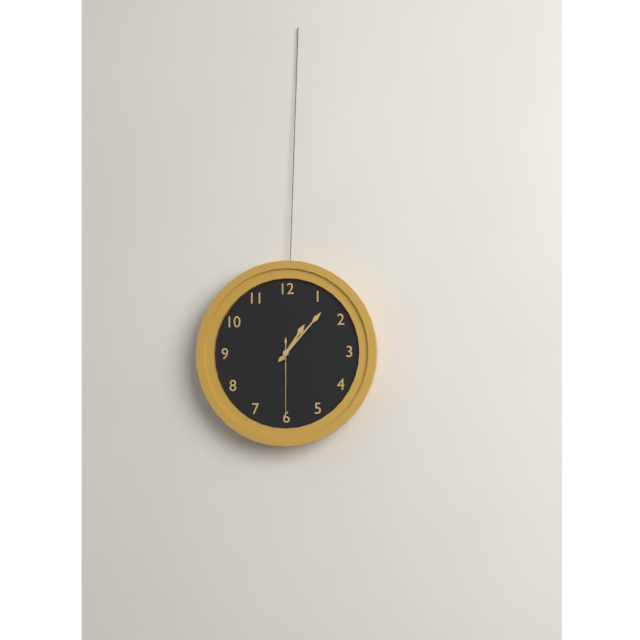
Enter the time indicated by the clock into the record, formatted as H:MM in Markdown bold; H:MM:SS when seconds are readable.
**1:07:30**
